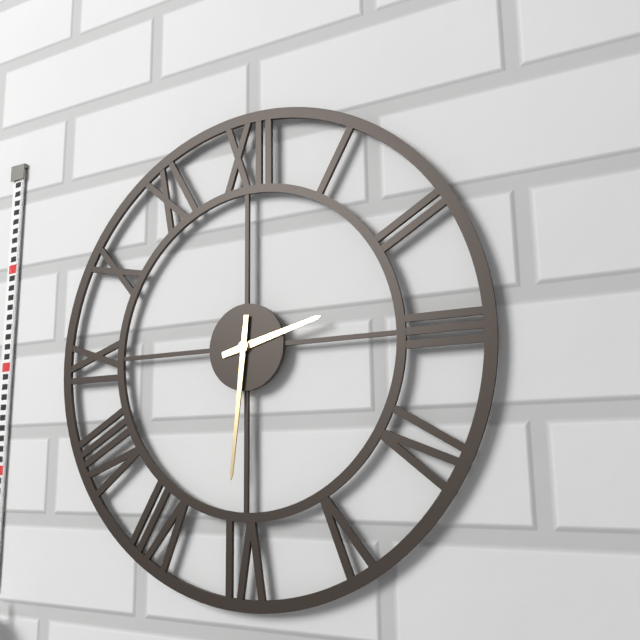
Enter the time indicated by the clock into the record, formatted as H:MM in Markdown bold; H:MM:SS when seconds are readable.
**2:31**
